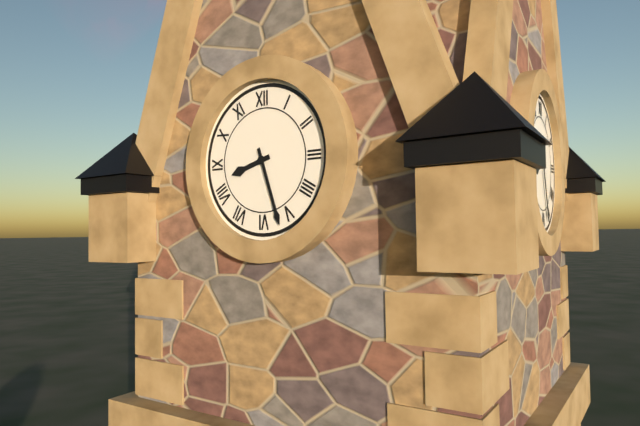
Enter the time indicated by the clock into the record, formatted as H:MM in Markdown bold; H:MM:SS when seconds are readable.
**8:27**
